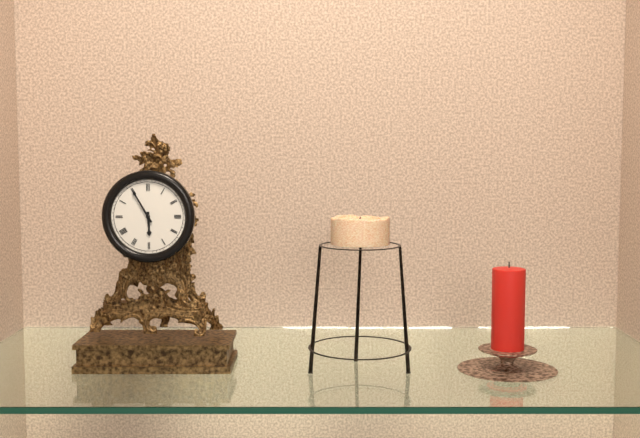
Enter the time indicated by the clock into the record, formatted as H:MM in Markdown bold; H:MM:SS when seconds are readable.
**5:55**
